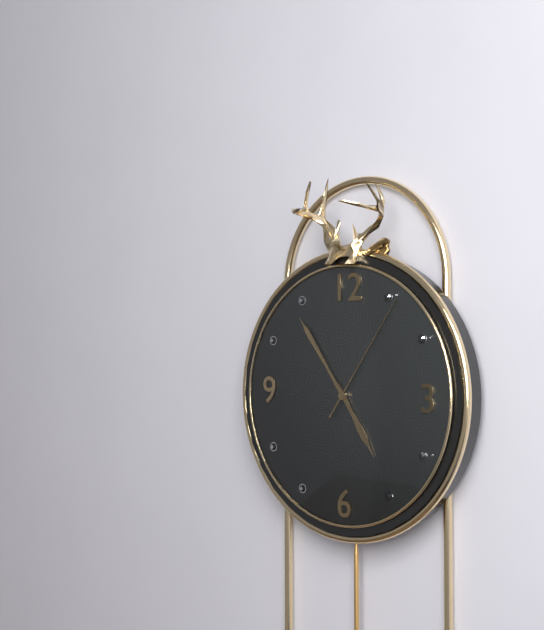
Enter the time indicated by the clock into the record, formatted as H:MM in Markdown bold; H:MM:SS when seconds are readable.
**4:54:06**
